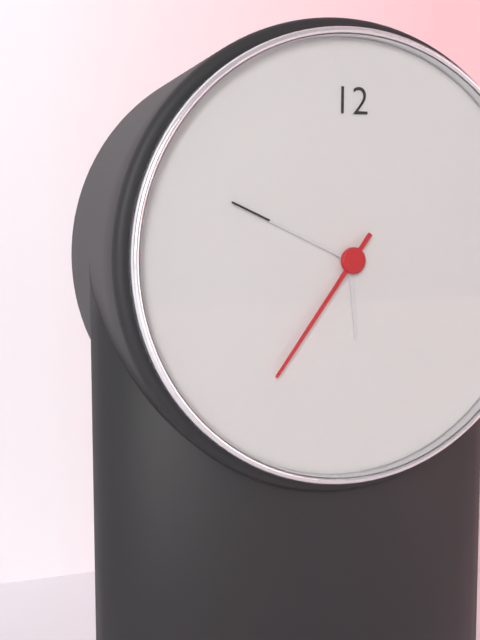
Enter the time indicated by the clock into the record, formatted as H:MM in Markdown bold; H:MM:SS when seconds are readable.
**5:49:36**
